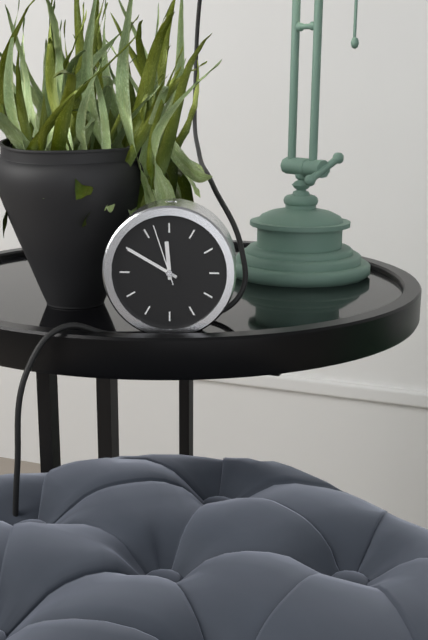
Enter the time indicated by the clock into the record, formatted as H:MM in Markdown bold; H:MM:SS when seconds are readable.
**11:50:57**
